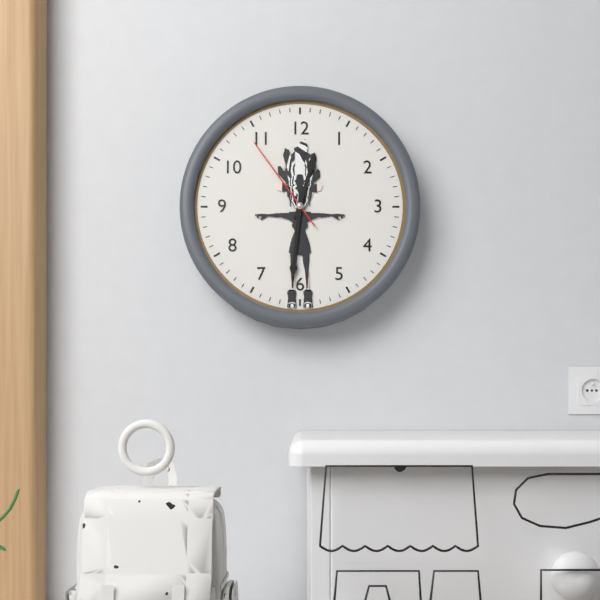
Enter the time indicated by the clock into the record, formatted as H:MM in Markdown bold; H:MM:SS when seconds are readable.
**12:31:54**
